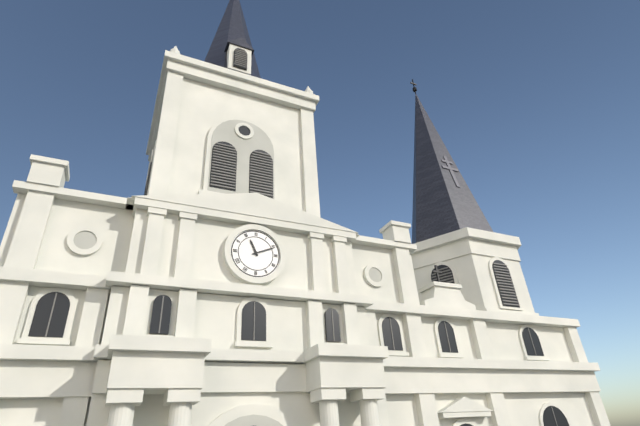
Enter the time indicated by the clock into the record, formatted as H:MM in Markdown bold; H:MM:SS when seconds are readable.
**11:11**
